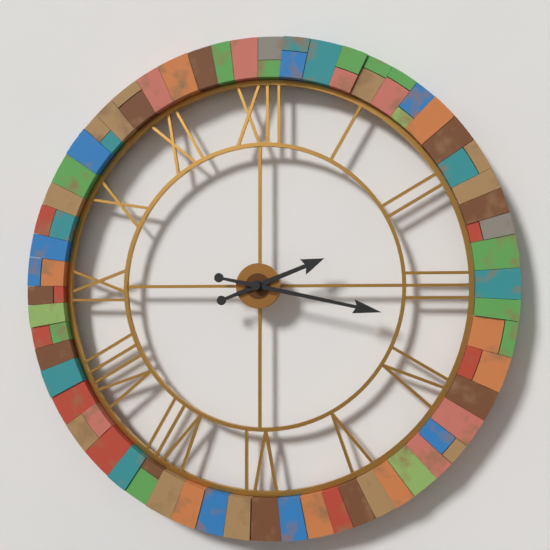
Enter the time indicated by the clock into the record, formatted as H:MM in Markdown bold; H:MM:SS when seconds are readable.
**2:17**
